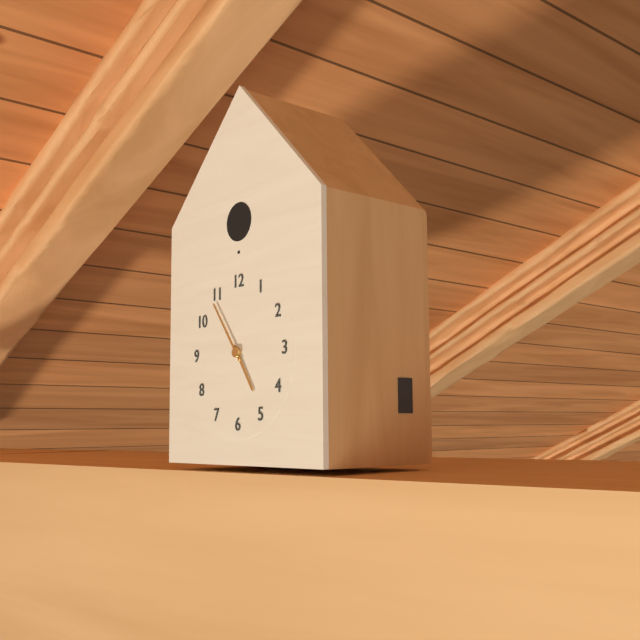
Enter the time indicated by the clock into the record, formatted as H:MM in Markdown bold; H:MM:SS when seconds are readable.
**4:54**
